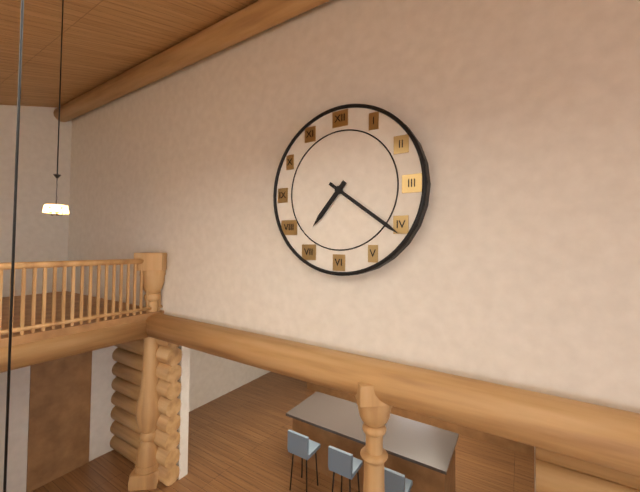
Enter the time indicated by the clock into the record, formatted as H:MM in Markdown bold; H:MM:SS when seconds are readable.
**7:21**
